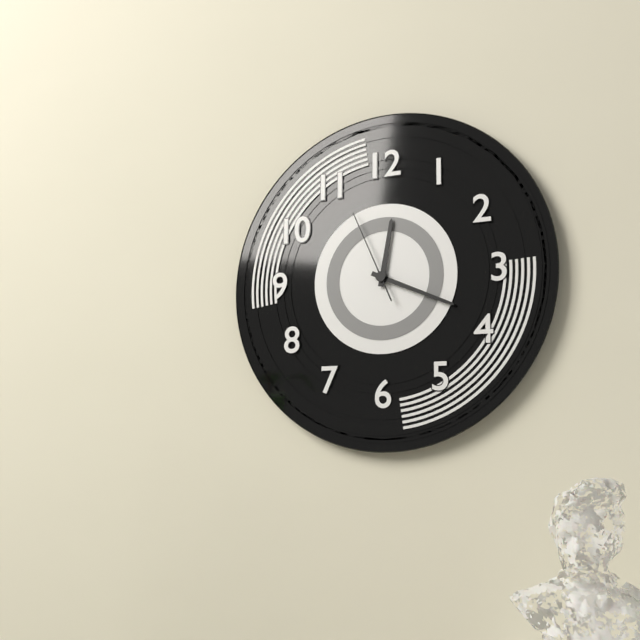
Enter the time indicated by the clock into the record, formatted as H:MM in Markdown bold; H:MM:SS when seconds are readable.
**12:19:56**
